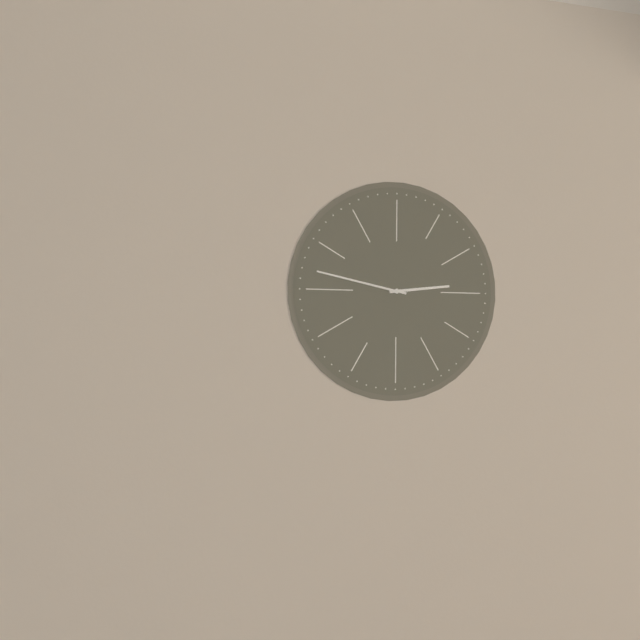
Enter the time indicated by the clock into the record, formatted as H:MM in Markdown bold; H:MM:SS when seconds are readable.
**2:47**
